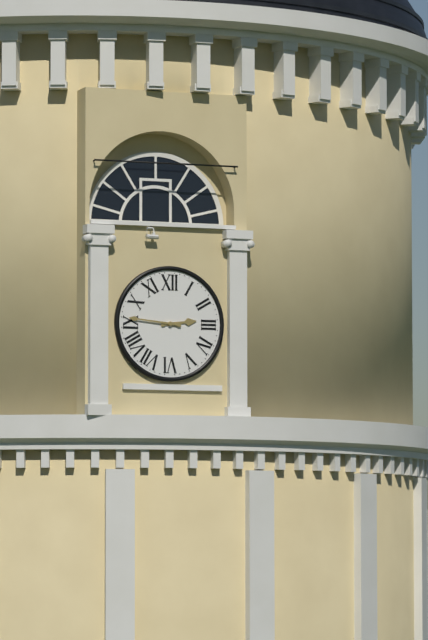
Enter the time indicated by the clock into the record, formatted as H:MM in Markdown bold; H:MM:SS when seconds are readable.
**2:46**
